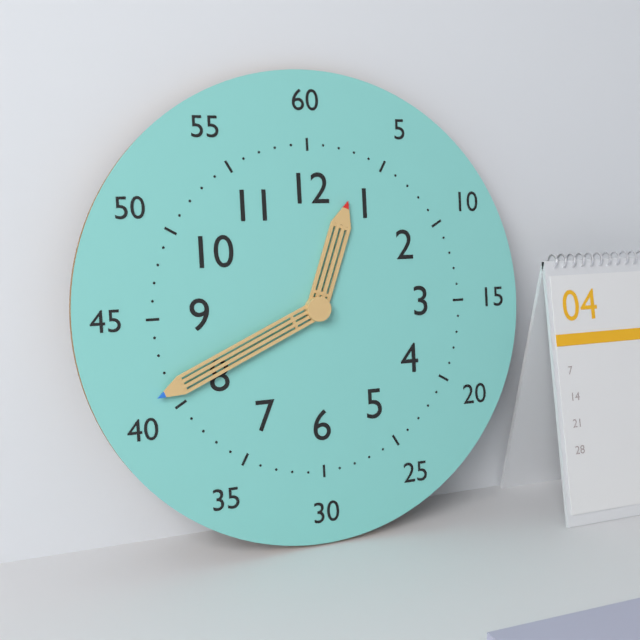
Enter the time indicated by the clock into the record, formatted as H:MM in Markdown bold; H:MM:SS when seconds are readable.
**12:41**
